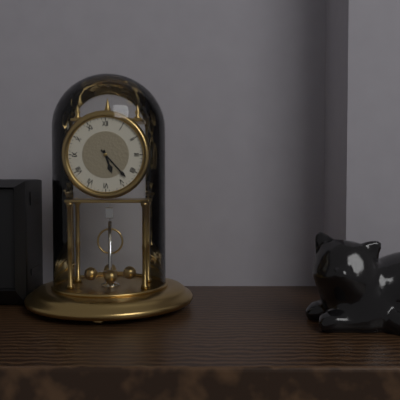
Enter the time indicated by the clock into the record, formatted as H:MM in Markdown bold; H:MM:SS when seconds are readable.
**5:23**
